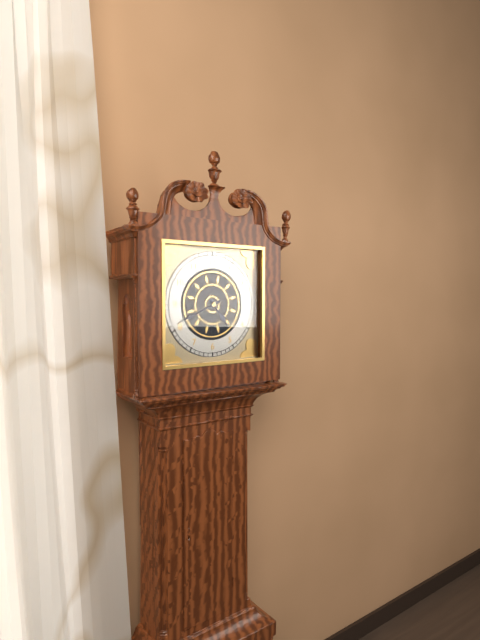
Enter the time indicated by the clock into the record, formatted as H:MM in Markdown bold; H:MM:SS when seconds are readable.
**4:41**
